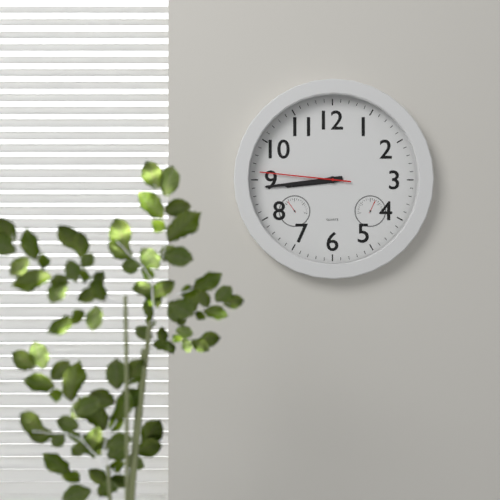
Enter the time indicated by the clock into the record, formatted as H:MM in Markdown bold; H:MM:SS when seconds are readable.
**8:44:46**
